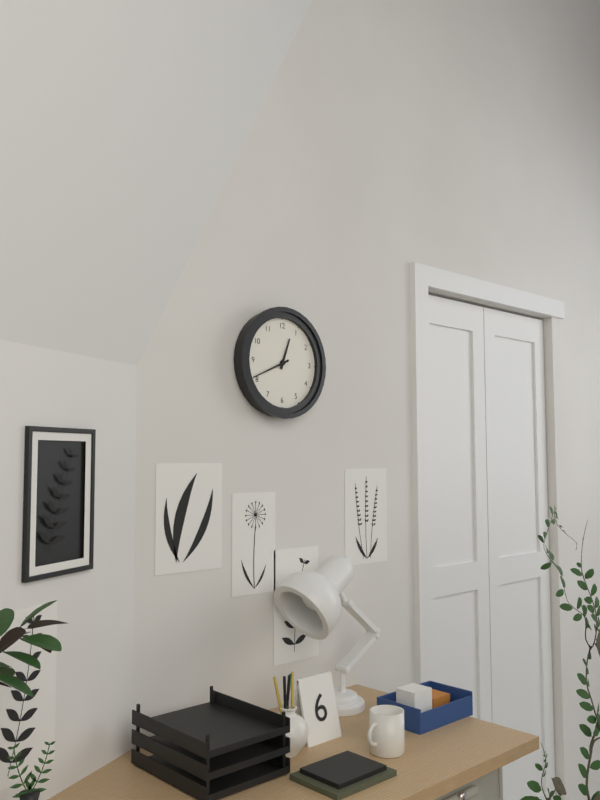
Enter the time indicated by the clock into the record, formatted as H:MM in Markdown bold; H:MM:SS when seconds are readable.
**12:41**
